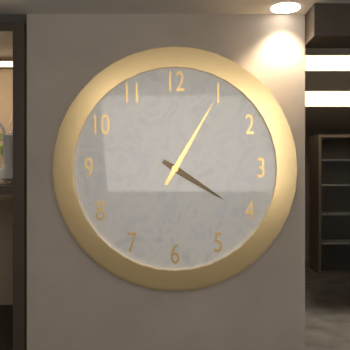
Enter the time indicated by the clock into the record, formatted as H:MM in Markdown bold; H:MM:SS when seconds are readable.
**4:05**
